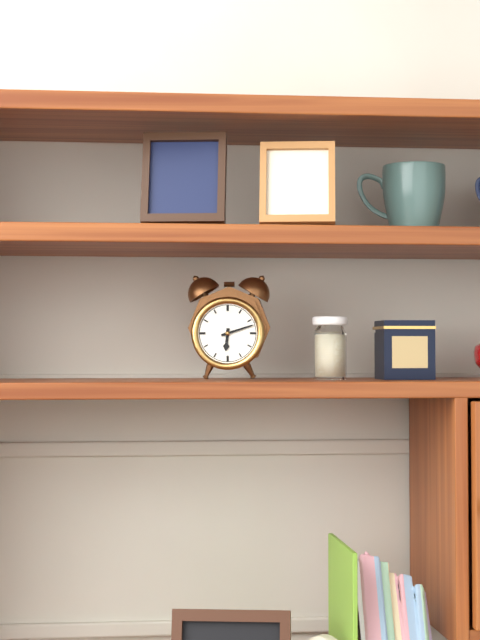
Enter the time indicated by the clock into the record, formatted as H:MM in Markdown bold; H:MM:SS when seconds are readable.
**6:12**
